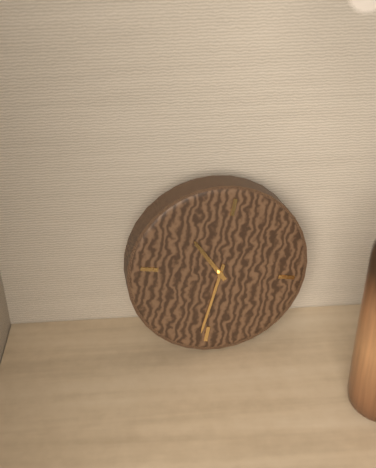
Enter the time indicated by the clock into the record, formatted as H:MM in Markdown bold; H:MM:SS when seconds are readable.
**10:31**
